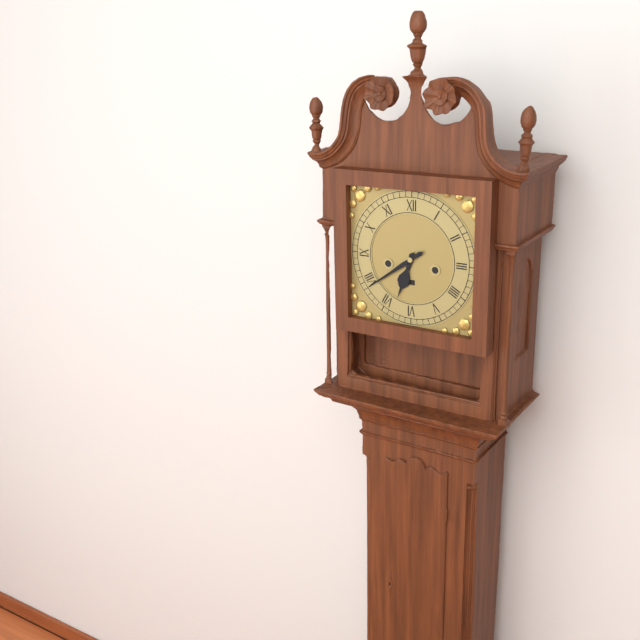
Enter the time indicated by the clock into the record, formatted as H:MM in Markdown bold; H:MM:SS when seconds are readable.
**6:39**
